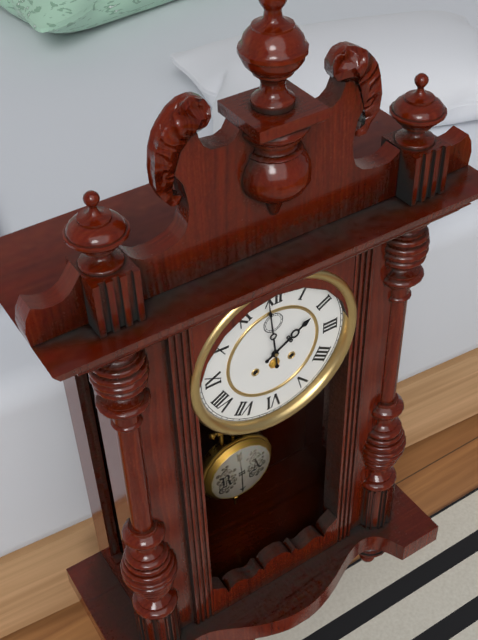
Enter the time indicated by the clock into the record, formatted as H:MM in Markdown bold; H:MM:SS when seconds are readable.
**1:59**
